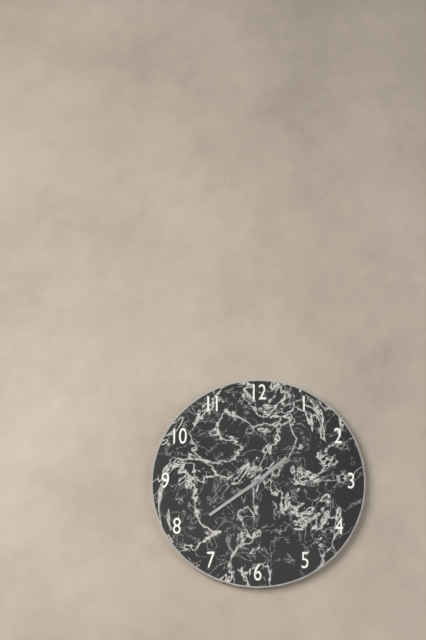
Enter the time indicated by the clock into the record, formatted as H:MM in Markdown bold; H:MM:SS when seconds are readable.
**1:39**
